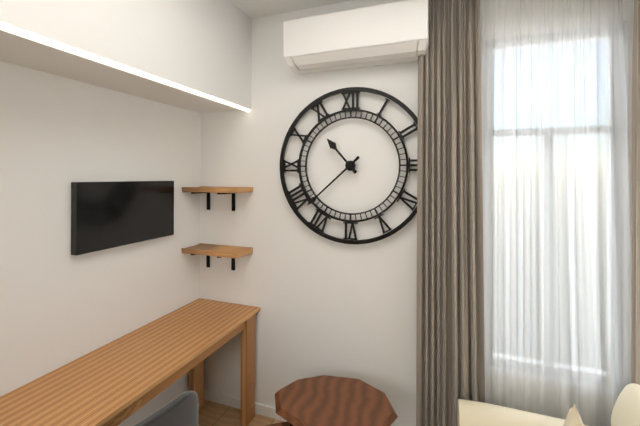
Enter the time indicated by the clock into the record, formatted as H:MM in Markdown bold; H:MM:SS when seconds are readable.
**10:38**
